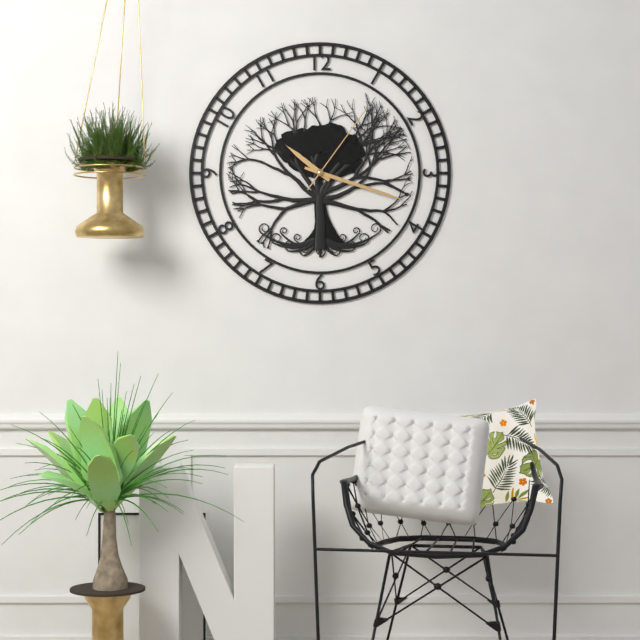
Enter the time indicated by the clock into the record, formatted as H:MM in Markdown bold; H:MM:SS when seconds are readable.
**10:18:06**
